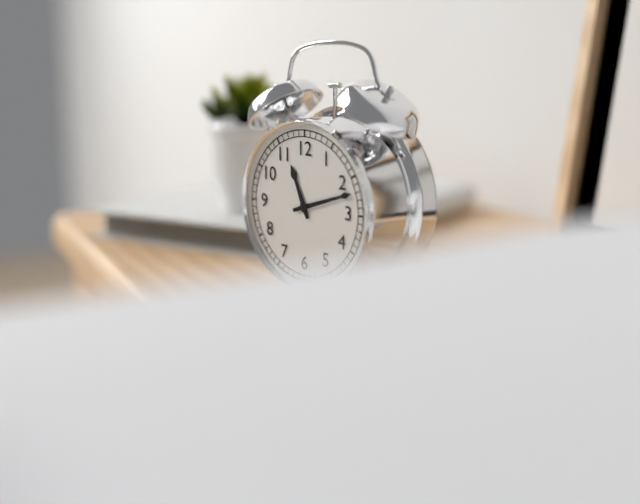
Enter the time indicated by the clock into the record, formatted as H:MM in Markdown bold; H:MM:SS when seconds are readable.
**11:12**
